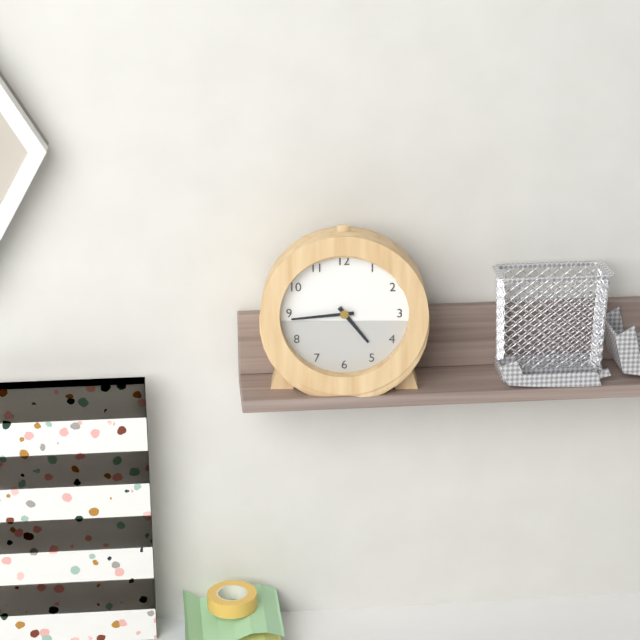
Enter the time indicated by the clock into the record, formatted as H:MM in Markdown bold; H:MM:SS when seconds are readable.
**4:44**
